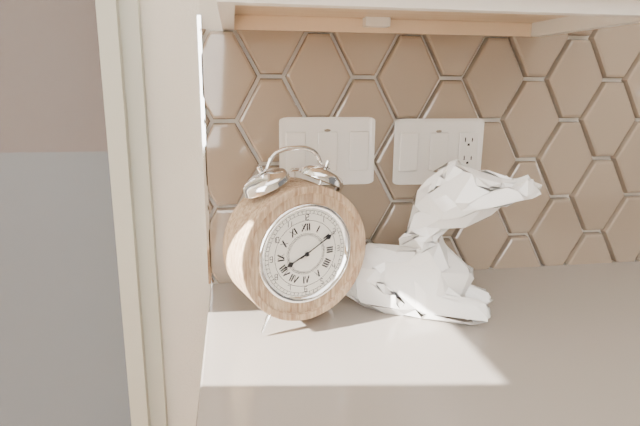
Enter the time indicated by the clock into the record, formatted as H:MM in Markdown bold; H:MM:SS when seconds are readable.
**8:10**
